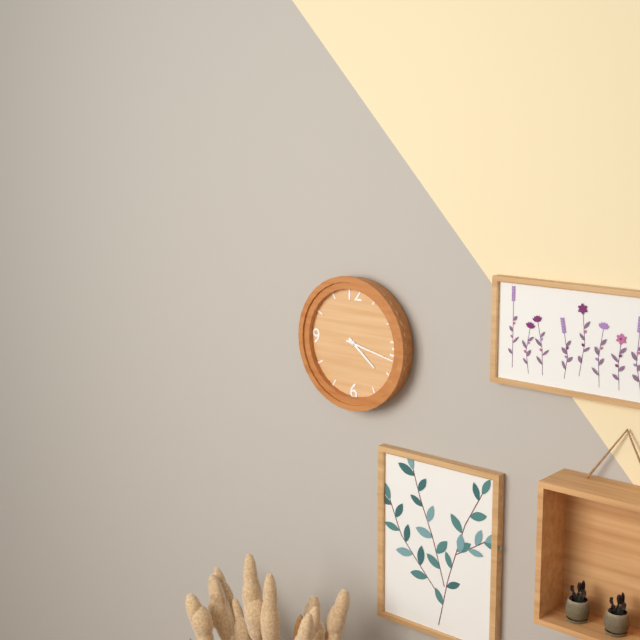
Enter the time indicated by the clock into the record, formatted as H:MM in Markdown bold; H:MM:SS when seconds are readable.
**4:17**
